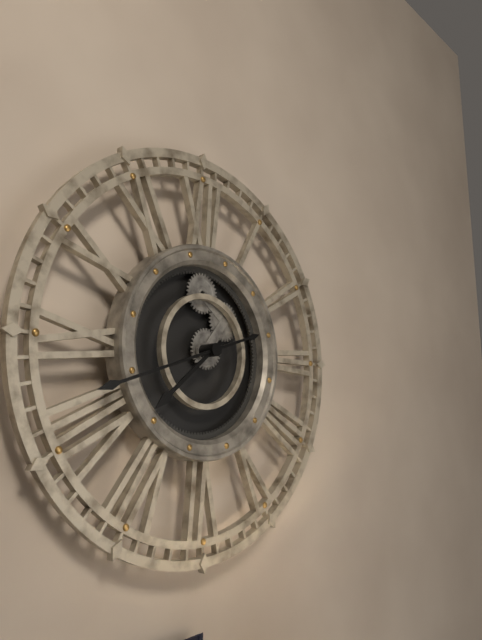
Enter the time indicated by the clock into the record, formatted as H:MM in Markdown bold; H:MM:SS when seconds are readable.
**7:42**
